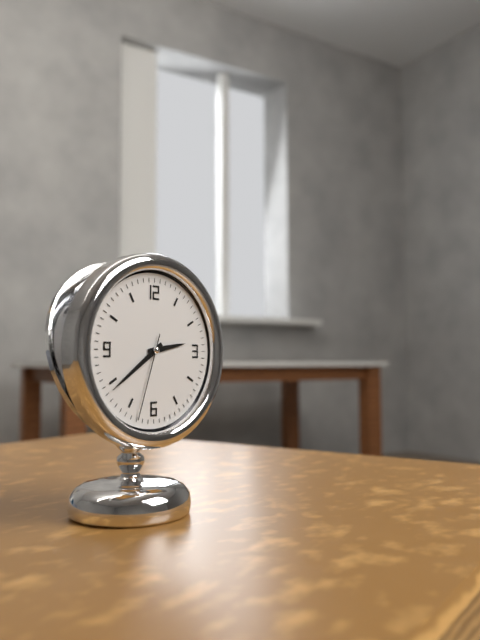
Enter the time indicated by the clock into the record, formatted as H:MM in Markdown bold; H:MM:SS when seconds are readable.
**2:39:33**
